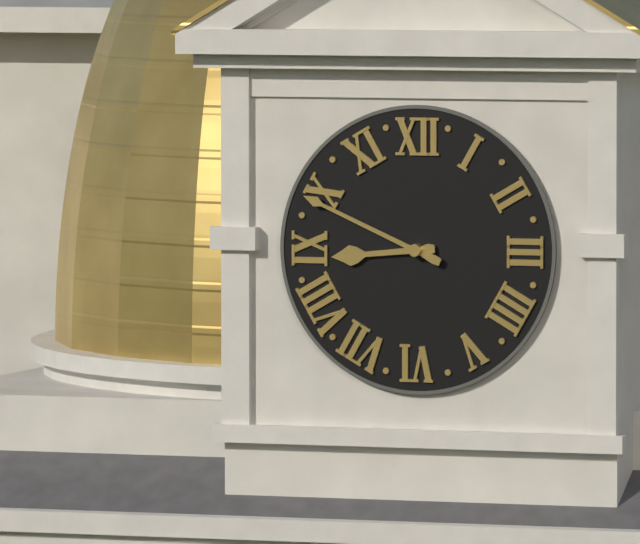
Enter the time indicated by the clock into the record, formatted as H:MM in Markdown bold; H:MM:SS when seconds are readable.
**8:49**
